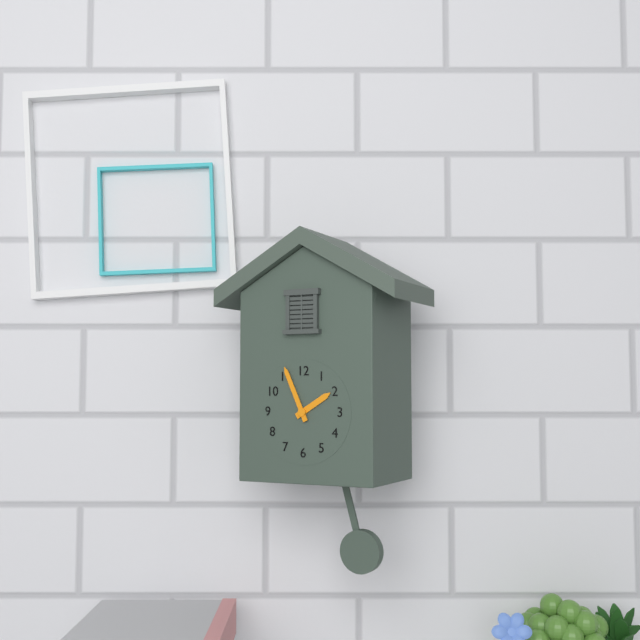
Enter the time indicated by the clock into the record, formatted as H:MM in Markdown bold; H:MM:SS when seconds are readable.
**1:56**
